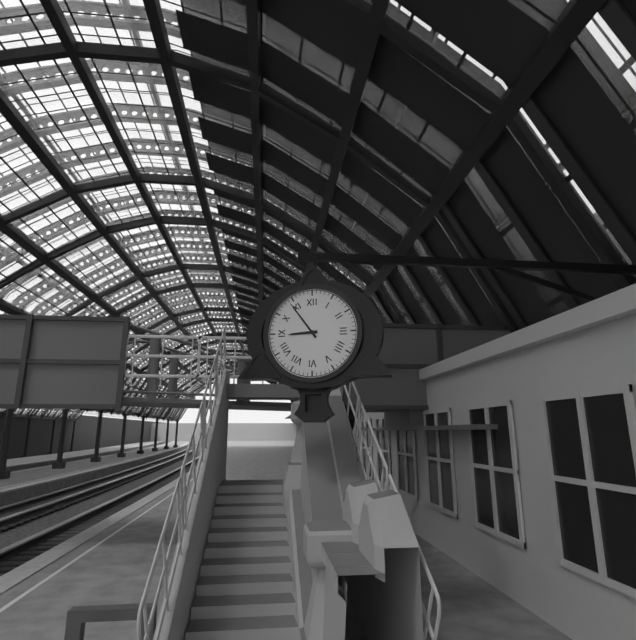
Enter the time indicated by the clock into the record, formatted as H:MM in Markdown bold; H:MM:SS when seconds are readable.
**8:54**
